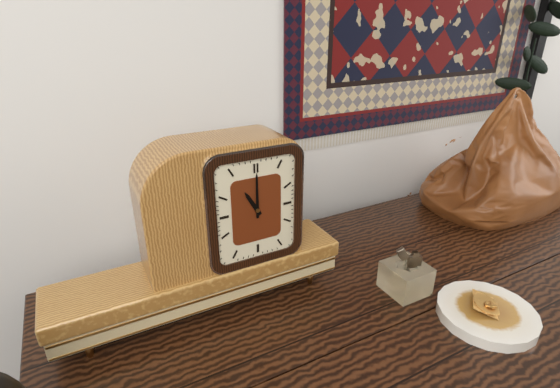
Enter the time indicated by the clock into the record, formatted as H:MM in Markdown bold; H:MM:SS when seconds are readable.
**11:00**
